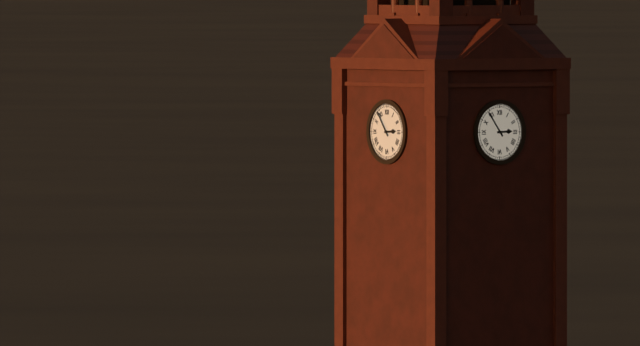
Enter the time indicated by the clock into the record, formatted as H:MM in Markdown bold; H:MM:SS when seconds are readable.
**2:54**
